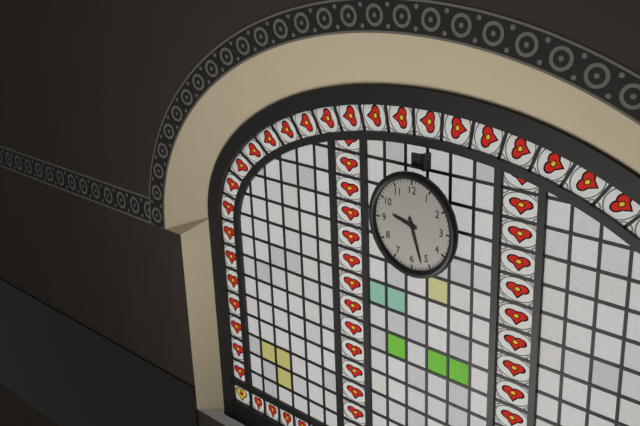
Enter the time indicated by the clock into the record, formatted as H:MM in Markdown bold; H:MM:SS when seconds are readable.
**9:27**
